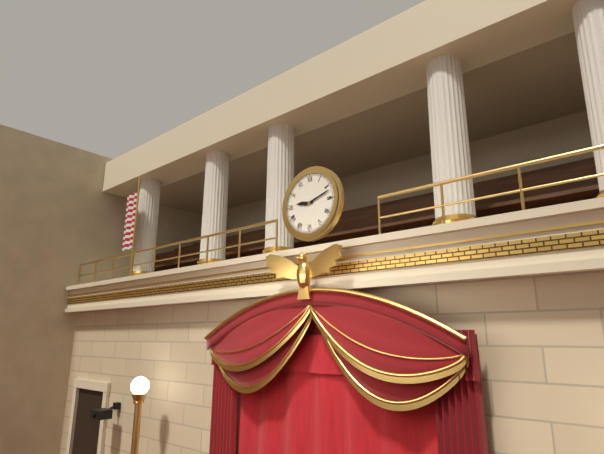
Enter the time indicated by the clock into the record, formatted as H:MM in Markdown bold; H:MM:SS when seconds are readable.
**9:12**
